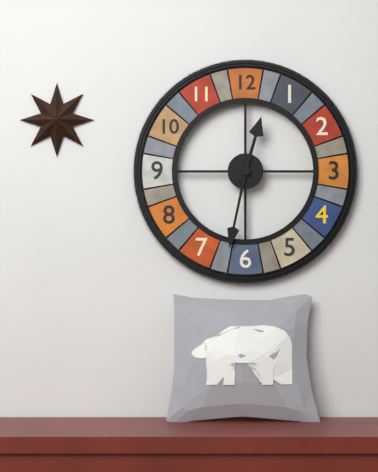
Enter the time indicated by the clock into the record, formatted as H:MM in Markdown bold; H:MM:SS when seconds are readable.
**12:32**
